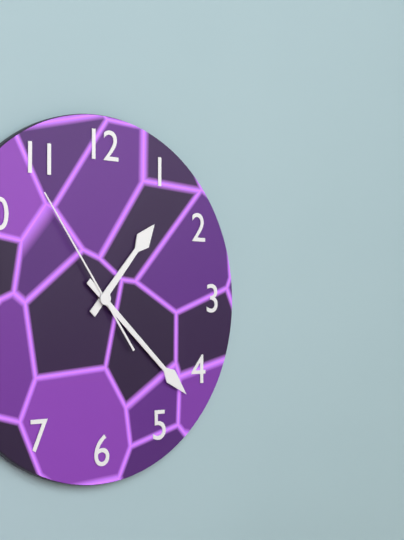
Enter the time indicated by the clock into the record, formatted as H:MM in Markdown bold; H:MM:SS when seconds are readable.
**1:22:54**
